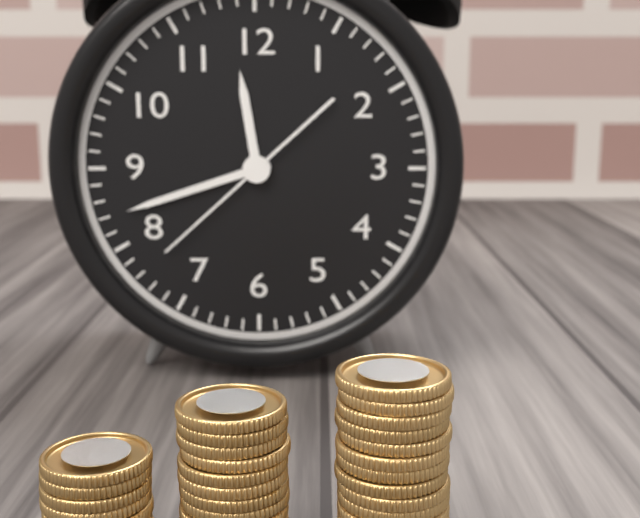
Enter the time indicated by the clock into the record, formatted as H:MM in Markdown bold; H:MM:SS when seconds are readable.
**11:42:38**
